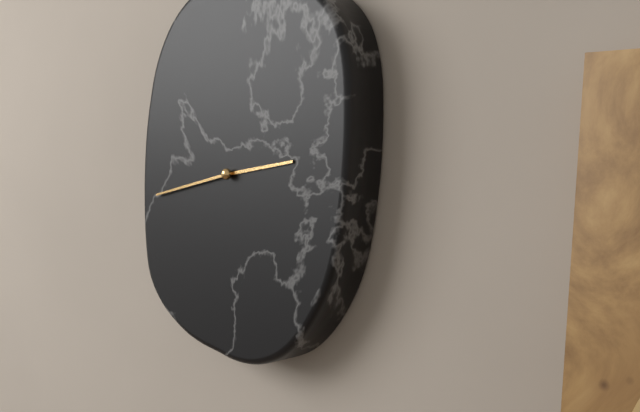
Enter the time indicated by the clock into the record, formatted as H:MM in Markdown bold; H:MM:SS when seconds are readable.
**2:43**
